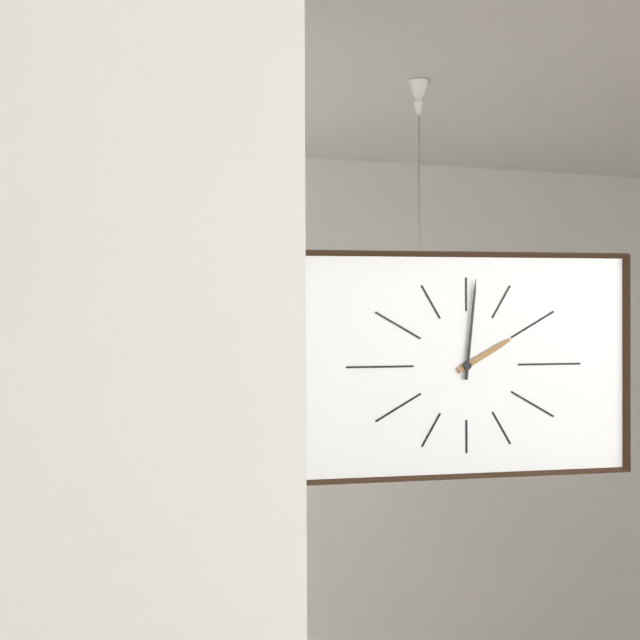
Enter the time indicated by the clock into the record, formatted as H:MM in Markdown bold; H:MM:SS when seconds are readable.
**2:01**
